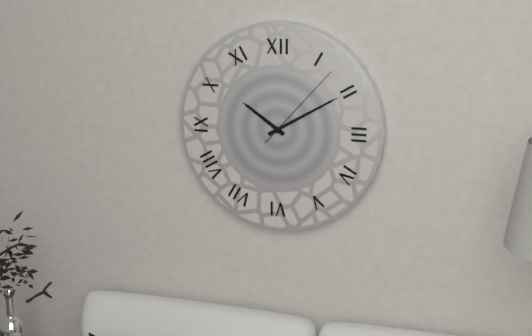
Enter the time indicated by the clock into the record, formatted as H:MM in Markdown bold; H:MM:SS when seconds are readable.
**10:10:07**
